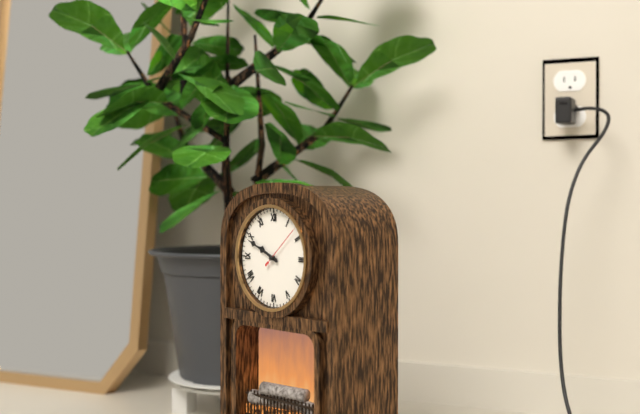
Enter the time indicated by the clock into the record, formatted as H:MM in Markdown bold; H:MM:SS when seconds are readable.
**9:49**
